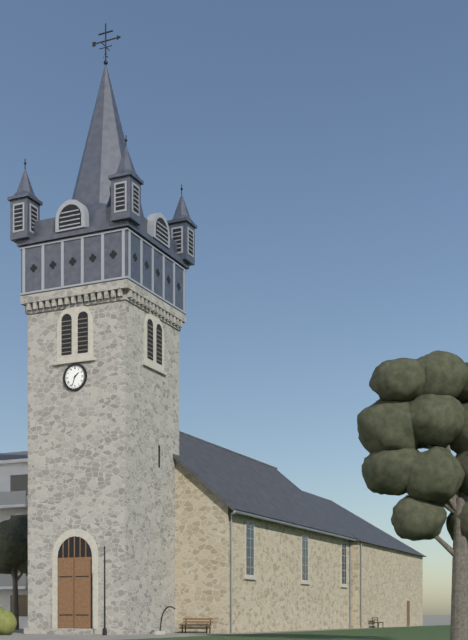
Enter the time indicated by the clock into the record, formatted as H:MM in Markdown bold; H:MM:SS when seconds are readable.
**1:33**
